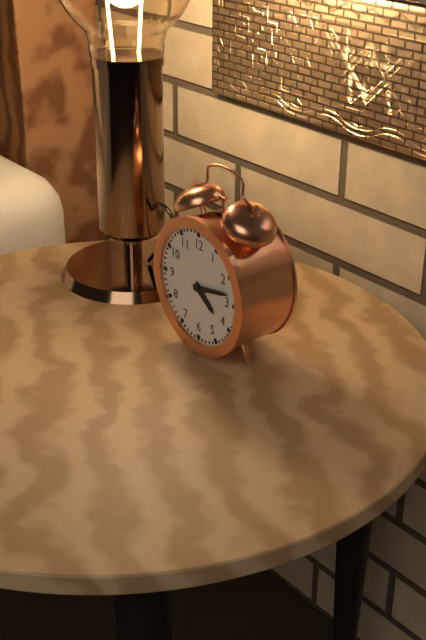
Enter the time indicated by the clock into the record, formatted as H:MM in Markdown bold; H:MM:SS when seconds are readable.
**4:13**
